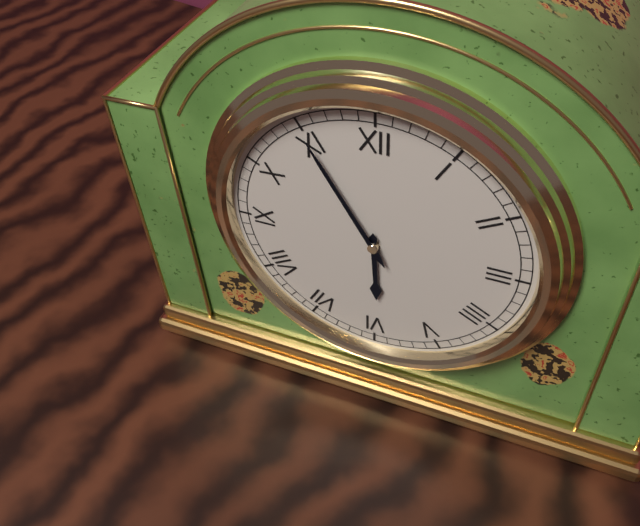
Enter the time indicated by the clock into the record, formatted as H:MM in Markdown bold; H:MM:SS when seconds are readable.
**5:55**
